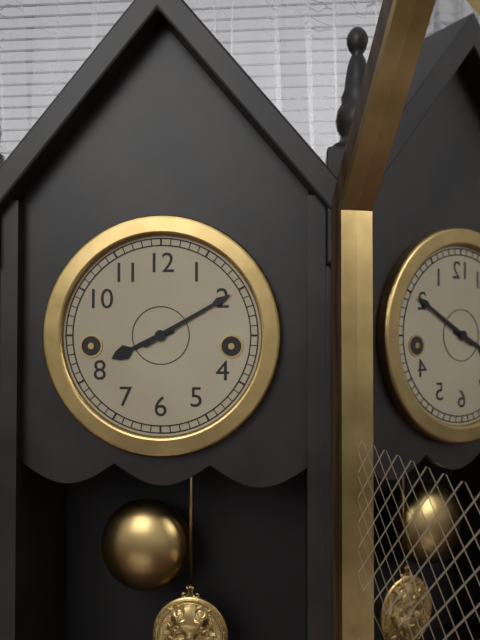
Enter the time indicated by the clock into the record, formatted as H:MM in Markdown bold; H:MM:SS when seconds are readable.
**8:10**
